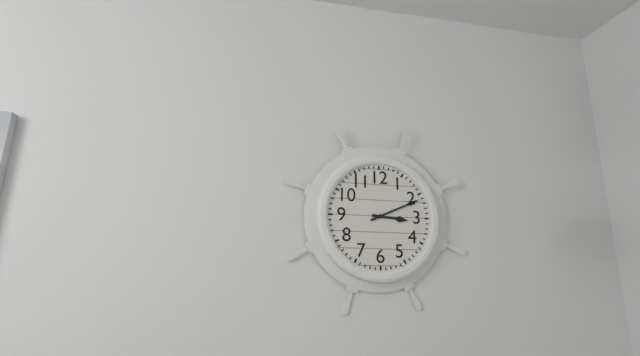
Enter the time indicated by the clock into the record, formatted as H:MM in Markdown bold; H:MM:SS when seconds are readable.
**3:11**
